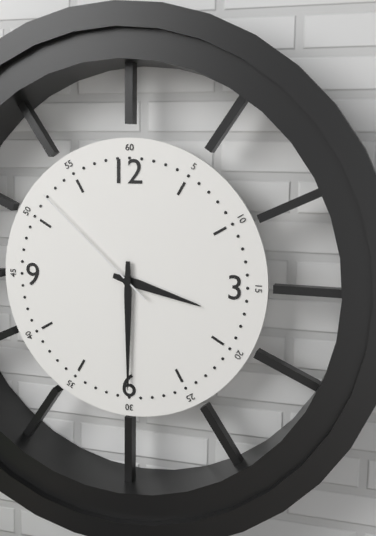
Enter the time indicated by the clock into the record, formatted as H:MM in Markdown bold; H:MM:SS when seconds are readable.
**3:30:52**
